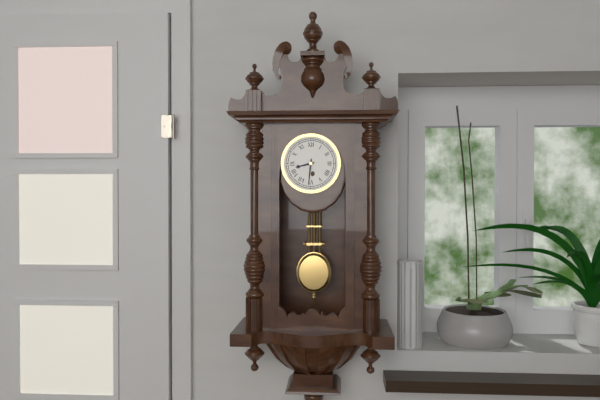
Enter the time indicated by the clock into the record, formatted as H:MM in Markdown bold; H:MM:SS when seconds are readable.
**8:31**
